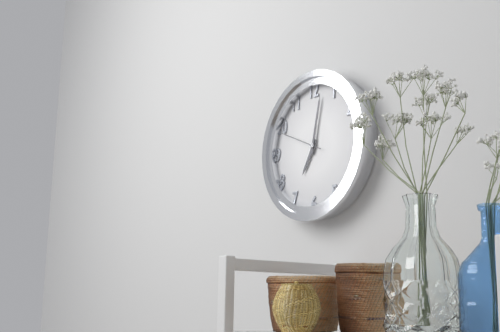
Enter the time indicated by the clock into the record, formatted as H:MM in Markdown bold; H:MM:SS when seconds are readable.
**7:02**
